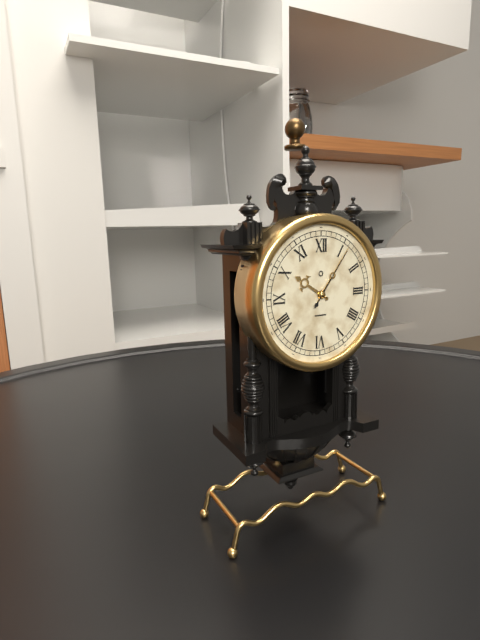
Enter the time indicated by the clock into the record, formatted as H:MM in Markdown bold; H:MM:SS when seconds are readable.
**10:06:06**
